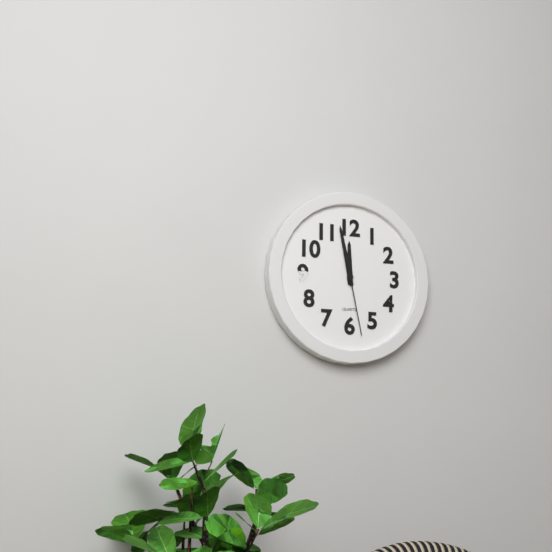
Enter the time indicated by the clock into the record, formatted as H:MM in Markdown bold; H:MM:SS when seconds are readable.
**11:58:28**
